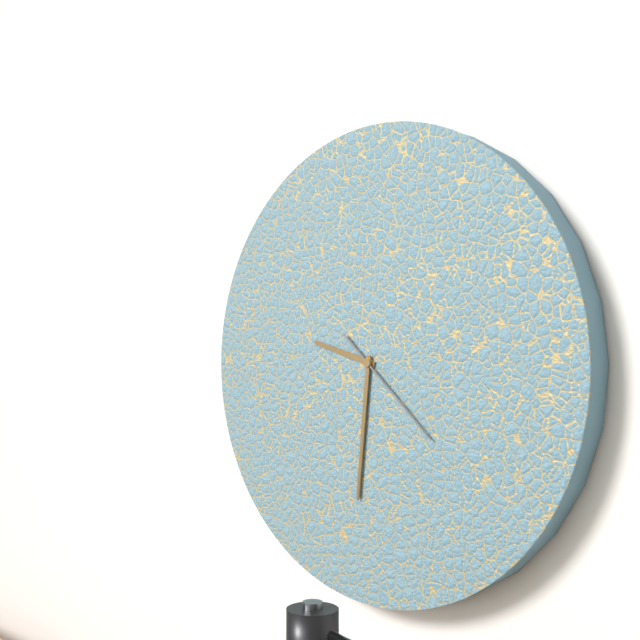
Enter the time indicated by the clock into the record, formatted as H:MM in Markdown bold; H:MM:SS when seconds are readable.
**9:31:22**
